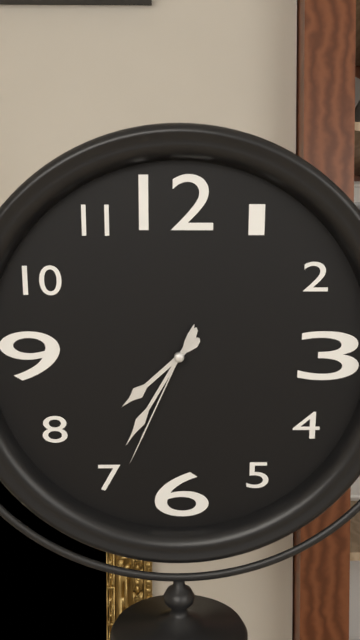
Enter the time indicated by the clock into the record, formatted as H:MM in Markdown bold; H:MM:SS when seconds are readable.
**7:35:34**
